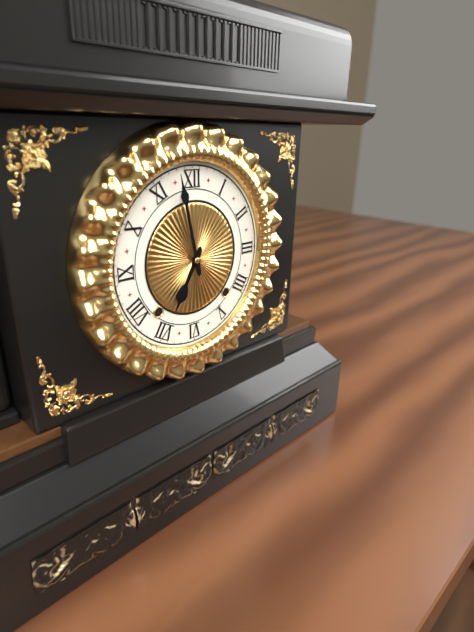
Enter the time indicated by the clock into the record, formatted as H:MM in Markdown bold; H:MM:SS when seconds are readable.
**6:58**
